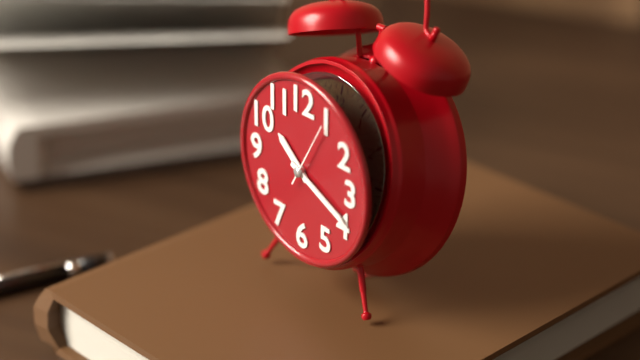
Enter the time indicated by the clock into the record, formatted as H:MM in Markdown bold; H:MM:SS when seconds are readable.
**10:19:05**
